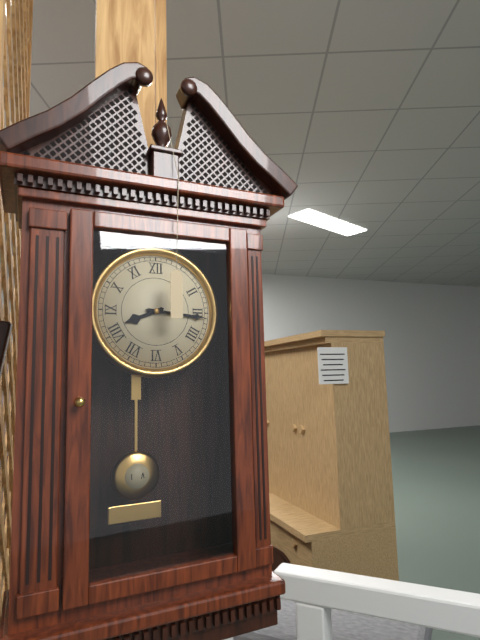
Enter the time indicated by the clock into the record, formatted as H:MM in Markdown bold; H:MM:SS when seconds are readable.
**8:16**
